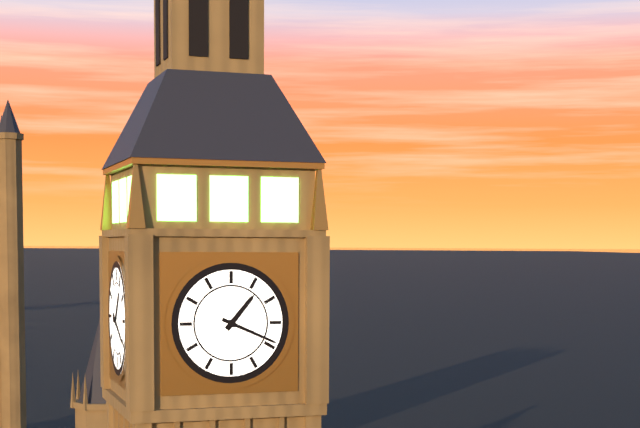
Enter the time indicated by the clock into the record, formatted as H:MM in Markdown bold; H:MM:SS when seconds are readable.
**1:19**
